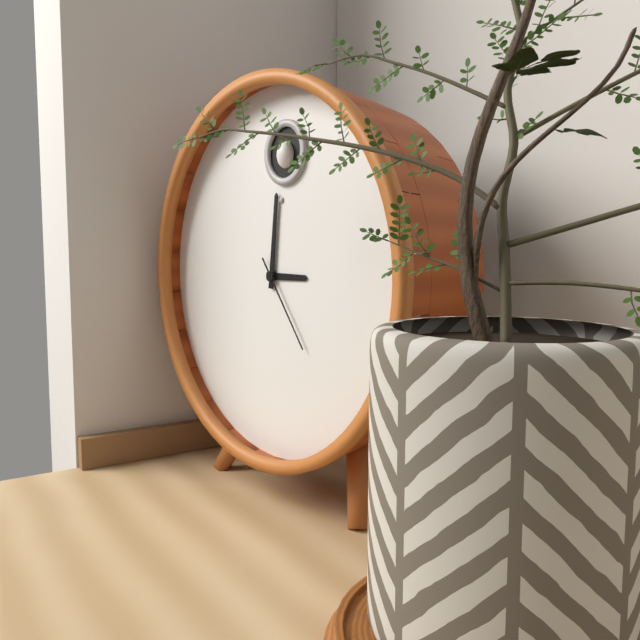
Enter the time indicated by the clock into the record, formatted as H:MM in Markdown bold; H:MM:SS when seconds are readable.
**3:01:24**
